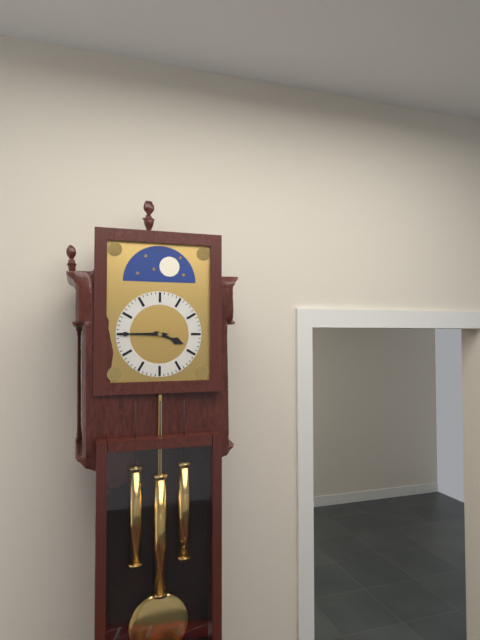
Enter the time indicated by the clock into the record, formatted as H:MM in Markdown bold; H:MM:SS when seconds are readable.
**3:45**
